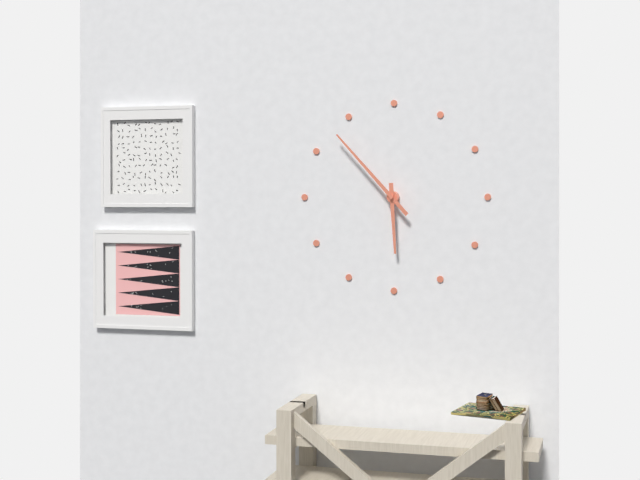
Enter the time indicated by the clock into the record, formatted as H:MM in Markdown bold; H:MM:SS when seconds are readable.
**5:53**
